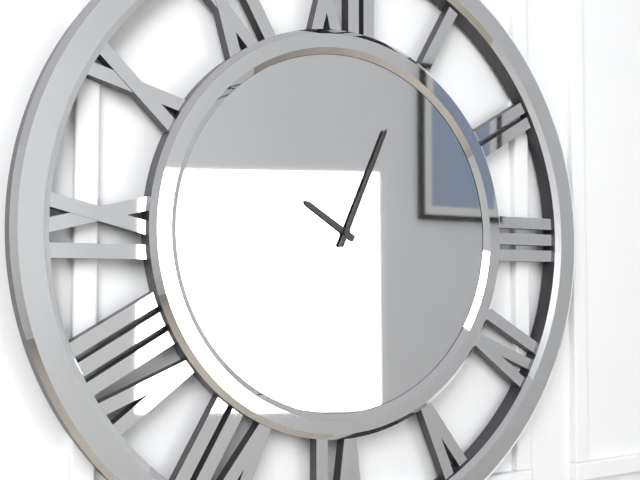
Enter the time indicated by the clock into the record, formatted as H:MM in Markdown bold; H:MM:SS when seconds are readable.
**10:04**
